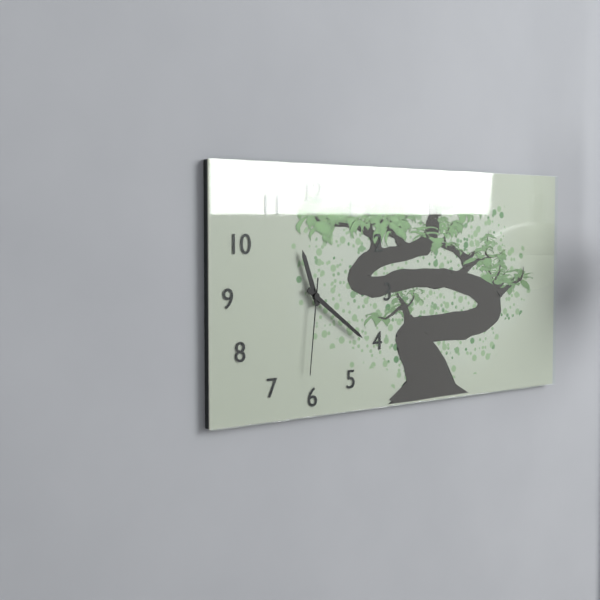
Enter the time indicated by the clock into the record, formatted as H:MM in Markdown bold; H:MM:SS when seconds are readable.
**11:21:31**
